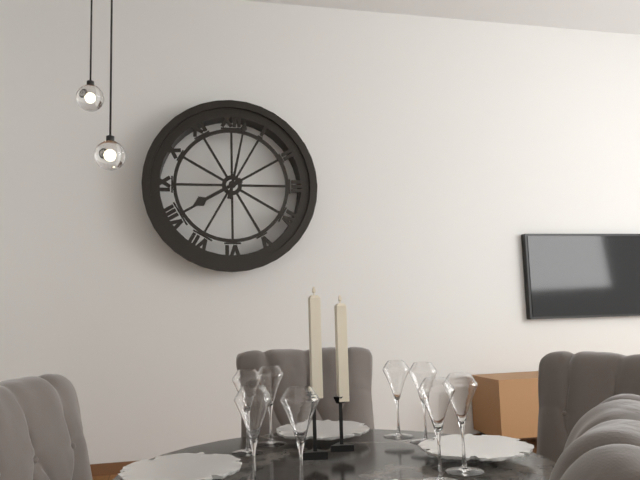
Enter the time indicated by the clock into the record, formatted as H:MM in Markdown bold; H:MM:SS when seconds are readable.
**8:02**
